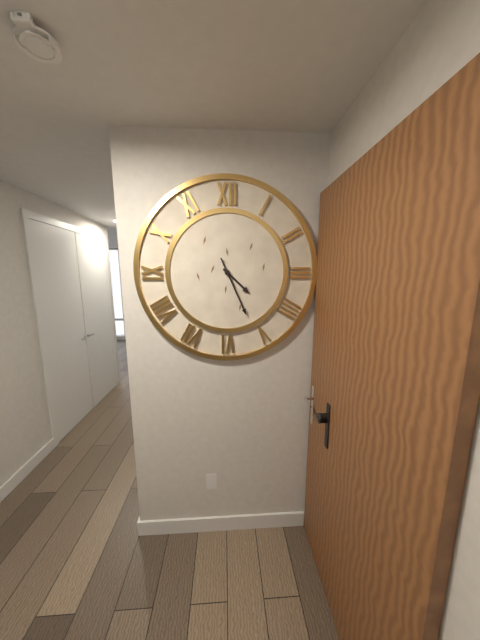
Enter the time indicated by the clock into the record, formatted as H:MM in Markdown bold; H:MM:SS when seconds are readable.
**4:26**
